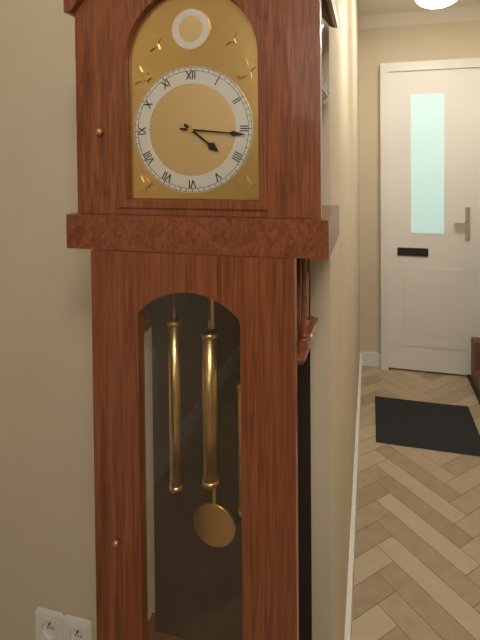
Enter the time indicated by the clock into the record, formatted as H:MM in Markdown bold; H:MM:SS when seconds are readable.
**4:16**
